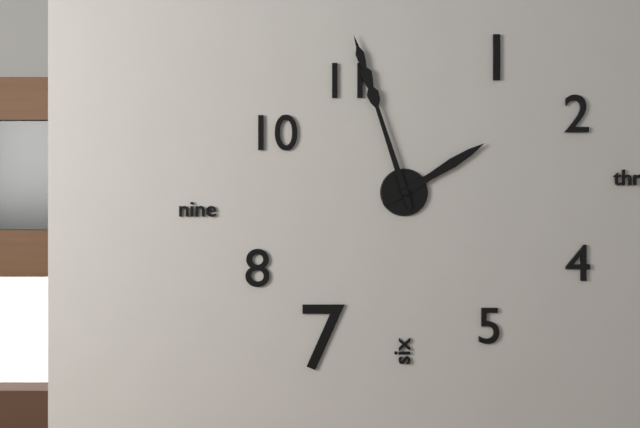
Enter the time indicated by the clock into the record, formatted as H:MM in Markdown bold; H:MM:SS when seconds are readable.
**1:57**
